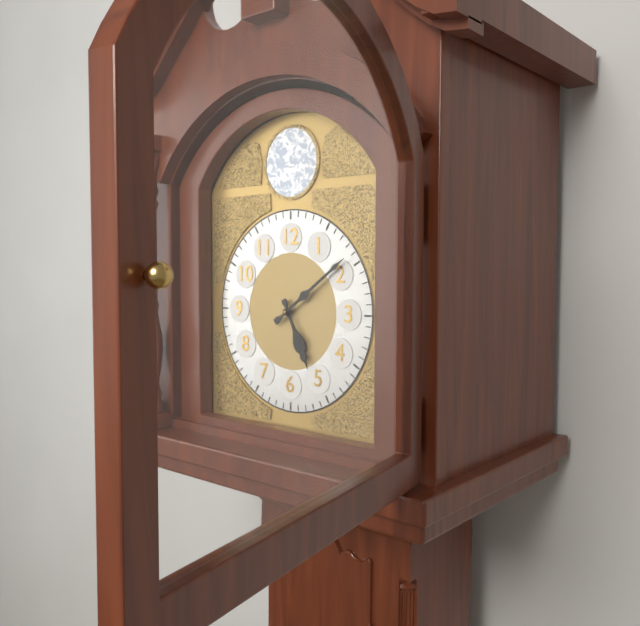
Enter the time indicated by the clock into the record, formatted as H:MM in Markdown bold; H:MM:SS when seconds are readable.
**5:09**
